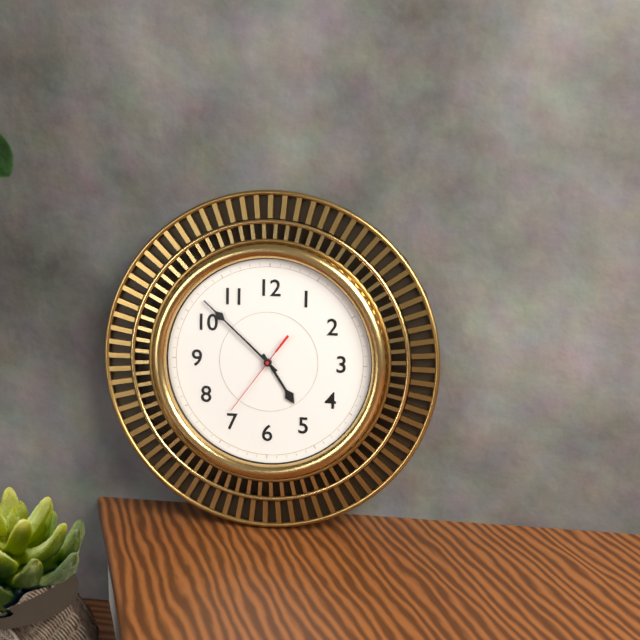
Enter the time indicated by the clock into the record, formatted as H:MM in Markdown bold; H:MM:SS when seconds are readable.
**4:52:36**
